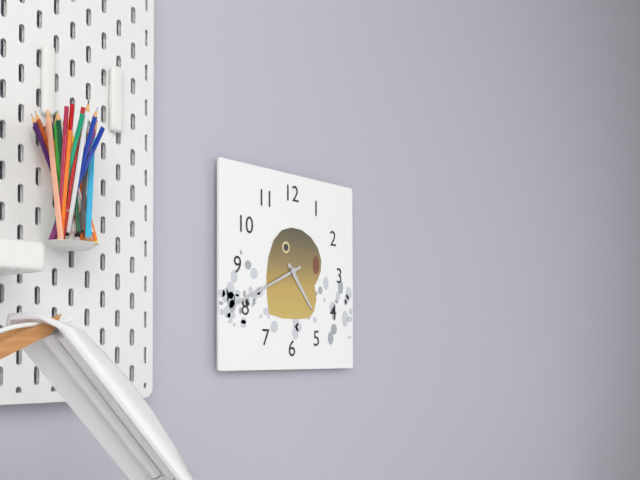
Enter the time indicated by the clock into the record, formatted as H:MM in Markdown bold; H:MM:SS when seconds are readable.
**4:41**
